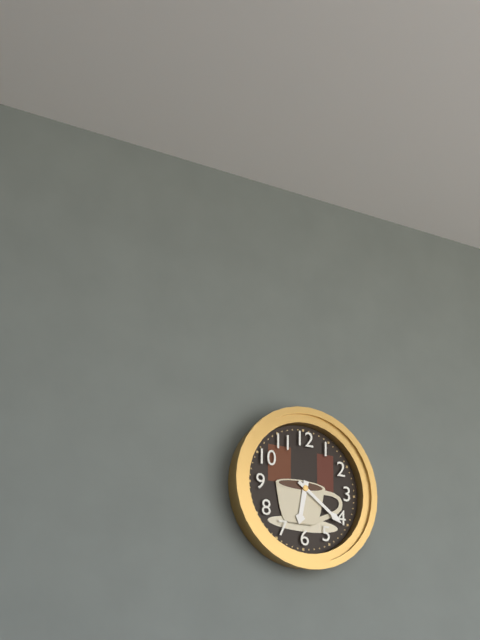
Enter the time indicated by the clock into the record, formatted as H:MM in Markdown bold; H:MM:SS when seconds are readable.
**6:21**
